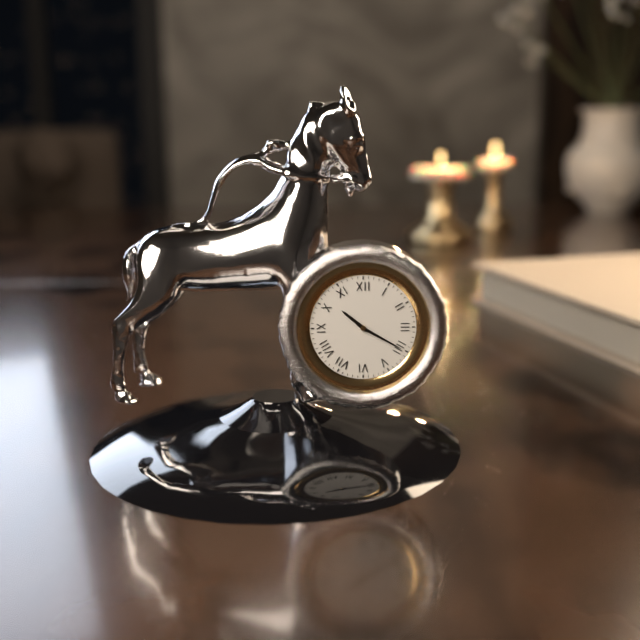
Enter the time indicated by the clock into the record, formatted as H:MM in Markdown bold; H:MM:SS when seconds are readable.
**10:20**
